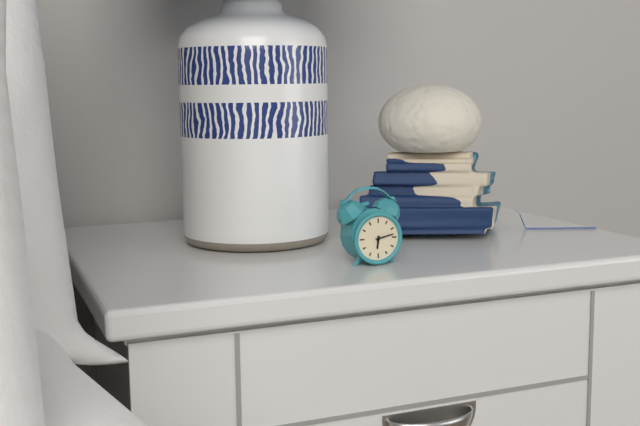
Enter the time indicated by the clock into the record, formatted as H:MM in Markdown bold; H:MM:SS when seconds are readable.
**6:13**
